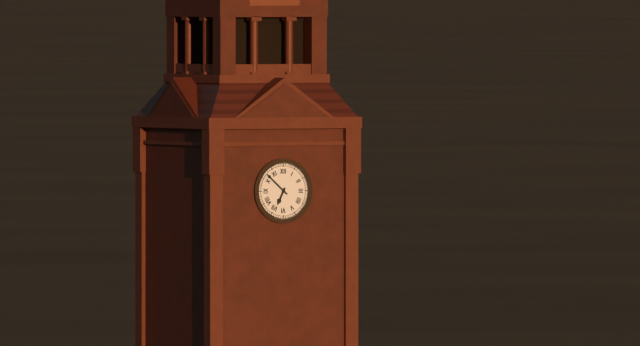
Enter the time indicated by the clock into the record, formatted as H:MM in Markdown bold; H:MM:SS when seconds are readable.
**6:52**
